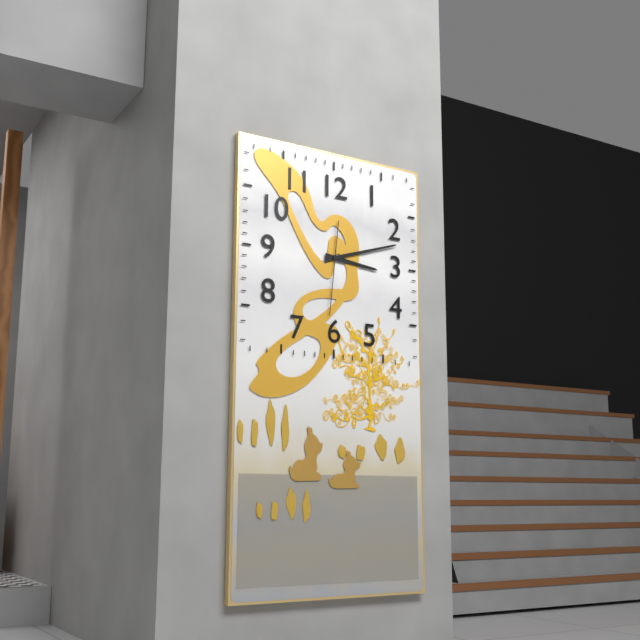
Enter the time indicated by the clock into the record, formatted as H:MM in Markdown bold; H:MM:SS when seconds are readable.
**3:12:31**
